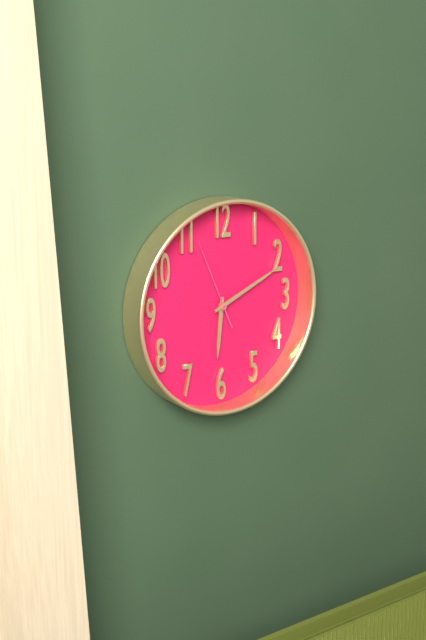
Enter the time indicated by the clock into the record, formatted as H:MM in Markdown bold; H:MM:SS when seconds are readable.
**6:11:56**
